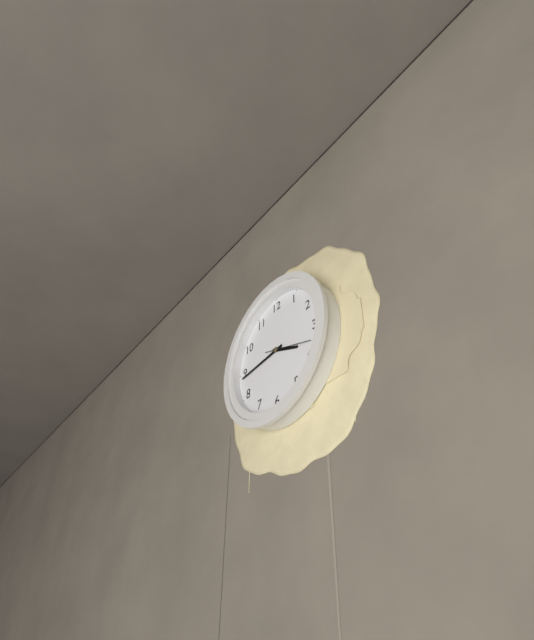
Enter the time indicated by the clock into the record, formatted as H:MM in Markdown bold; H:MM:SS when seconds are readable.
**3:44**
